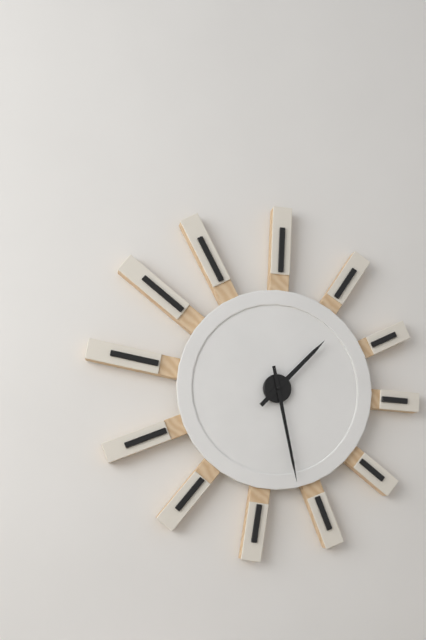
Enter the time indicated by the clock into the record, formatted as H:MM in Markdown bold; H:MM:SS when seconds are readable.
**1:28**
